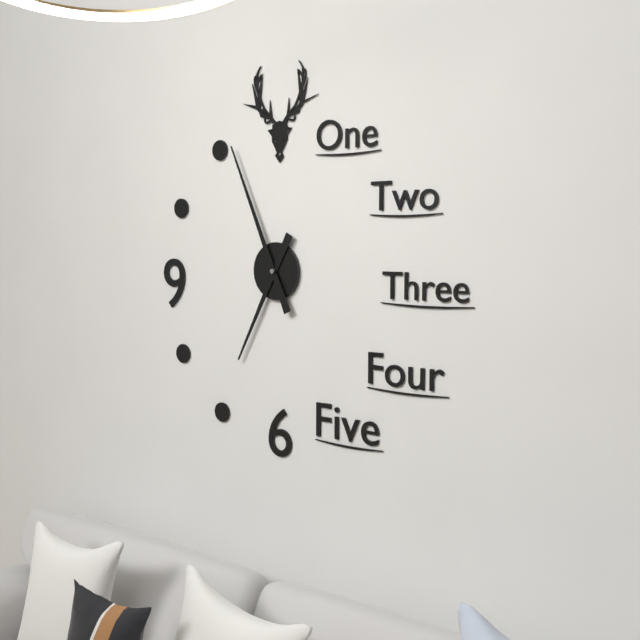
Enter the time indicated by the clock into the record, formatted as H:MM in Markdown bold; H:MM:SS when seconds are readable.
**6:56**
